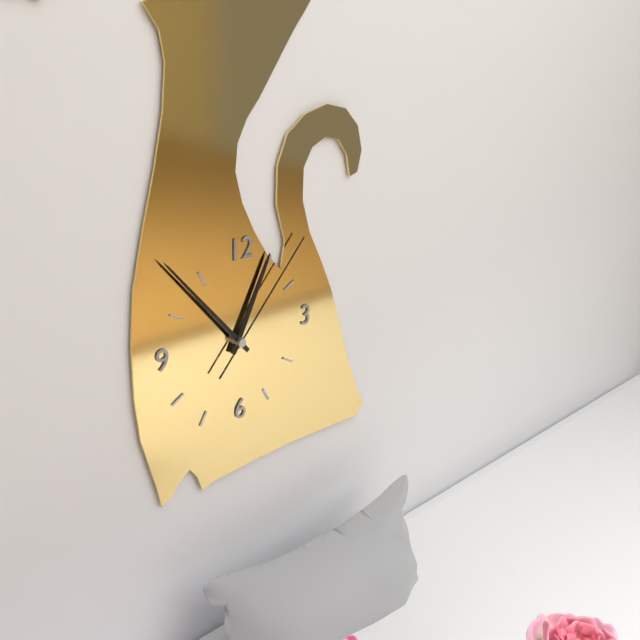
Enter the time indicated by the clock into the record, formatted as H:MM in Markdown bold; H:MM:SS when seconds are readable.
**12:53:07**
